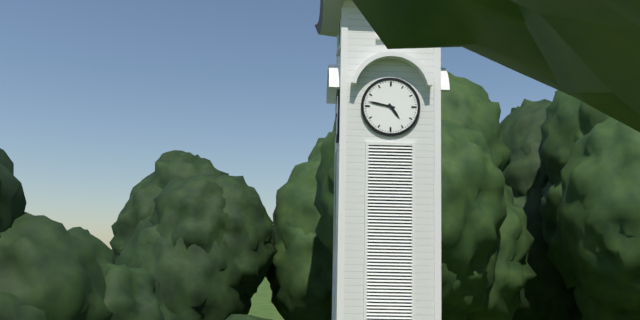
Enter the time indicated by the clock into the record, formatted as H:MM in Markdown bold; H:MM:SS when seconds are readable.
**4:47**
